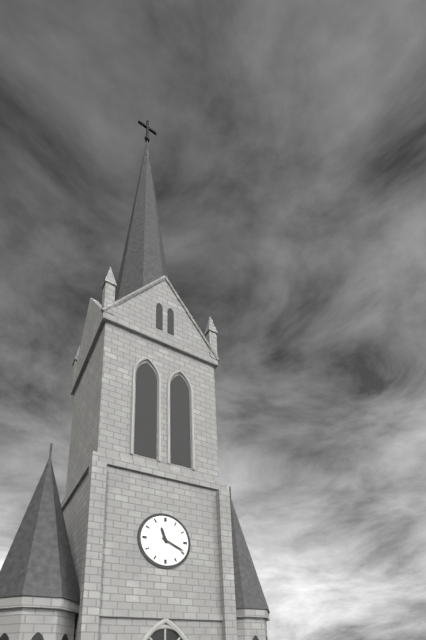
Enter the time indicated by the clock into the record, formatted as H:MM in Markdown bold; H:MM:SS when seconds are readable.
**11:19**
